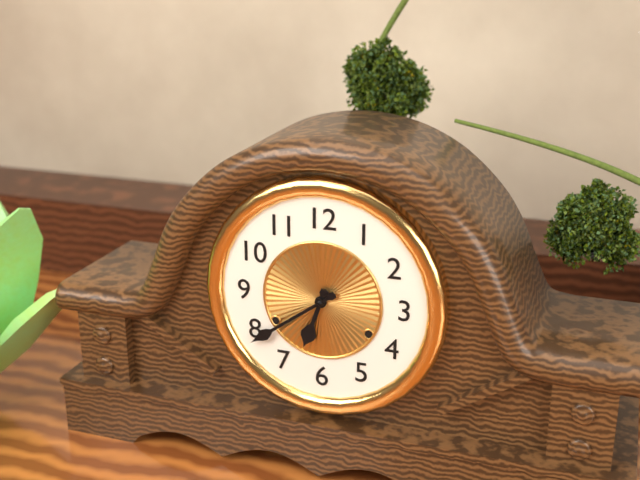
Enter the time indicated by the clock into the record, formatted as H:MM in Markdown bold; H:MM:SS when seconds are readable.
**6:39**
